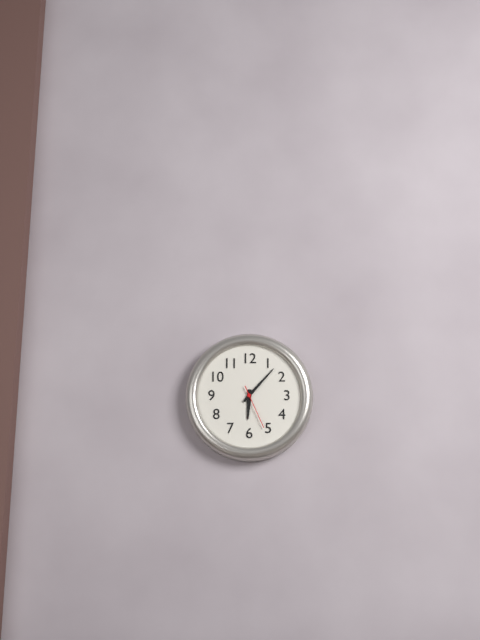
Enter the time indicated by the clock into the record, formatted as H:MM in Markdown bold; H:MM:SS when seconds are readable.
**6:07**
